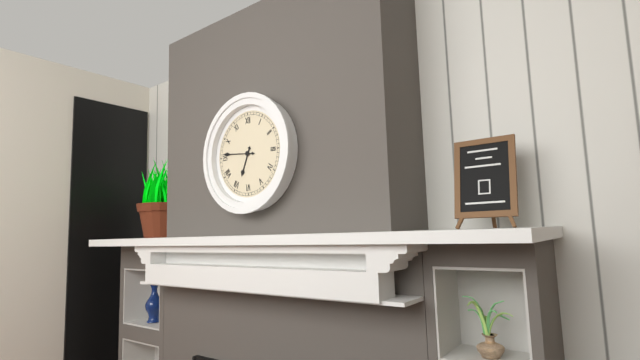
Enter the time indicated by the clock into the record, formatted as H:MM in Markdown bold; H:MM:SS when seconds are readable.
**6:46**
